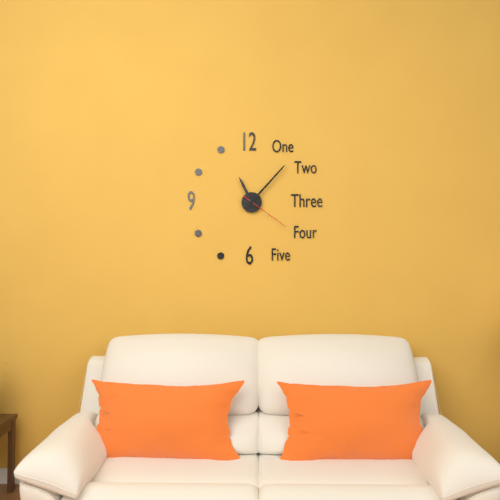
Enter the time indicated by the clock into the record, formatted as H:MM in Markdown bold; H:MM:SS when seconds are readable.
**11:07:21**
